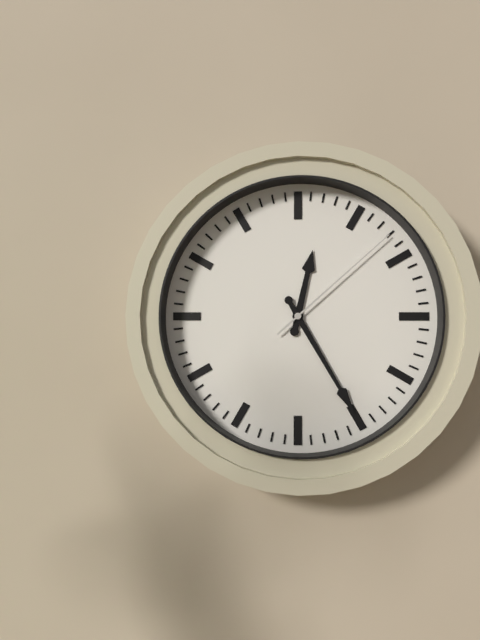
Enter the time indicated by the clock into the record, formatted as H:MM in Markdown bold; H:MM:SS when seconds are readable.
**12:25:08**
